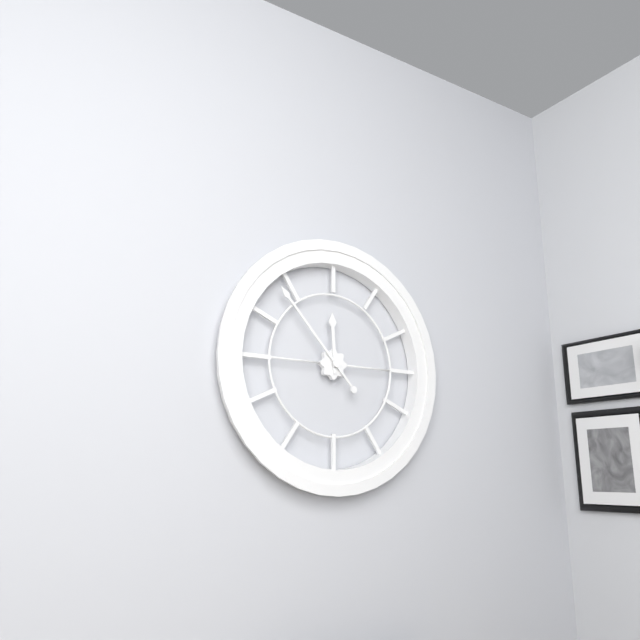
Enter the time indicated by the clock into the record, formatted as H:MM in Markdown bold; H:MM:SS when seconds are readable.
**11:53**
